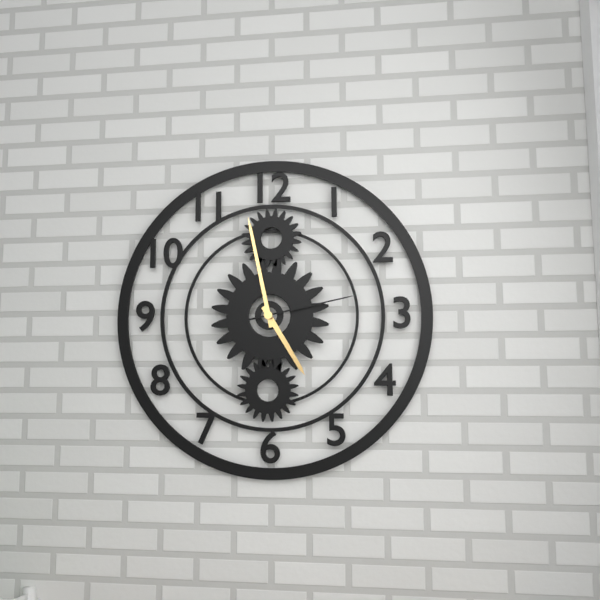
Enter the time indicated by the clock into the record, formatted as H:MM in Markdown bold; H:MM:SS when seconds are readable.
**4:58:13**
